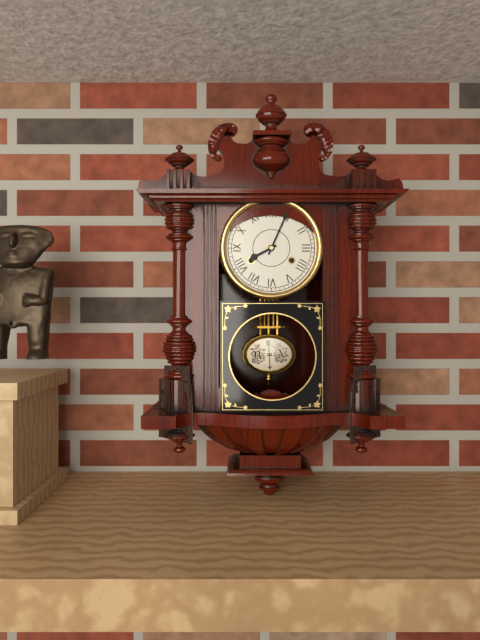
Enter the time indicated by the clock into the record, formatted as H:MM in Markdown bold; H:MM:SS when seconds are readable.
**8:04**
